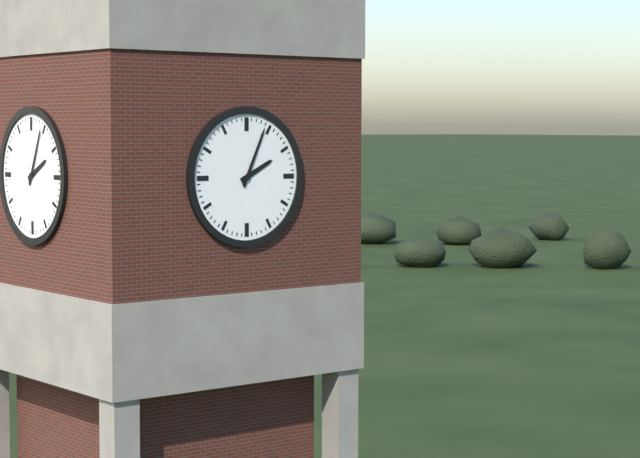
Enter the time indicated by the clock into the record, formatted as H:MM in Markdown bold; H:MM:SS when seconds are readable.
**2:04**
